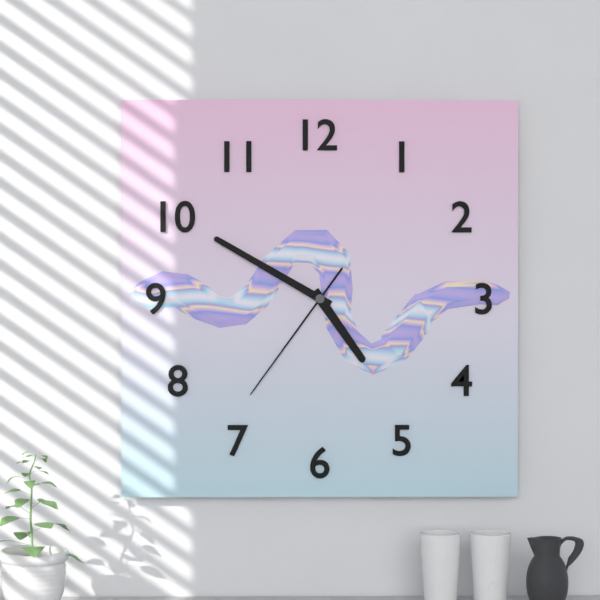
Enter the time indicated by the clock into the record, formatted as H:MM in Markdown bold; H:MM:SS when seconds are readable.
**4:50:36**
